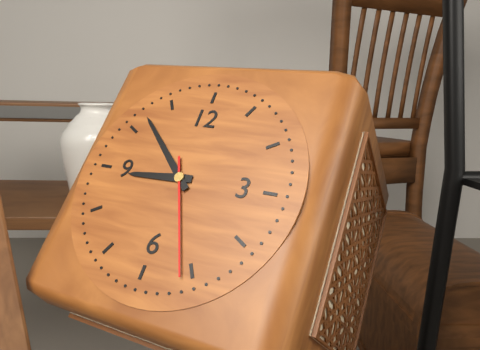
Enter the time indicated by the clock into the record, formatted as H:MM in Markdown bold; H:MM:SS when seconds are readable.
**8:52:26**
